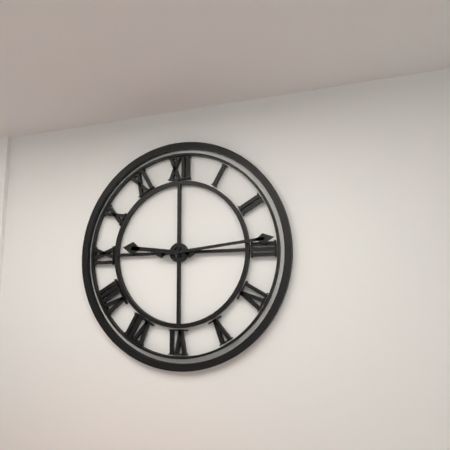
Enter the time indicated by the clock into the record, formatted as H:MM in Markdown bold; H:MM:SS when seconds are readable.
**9:14**
